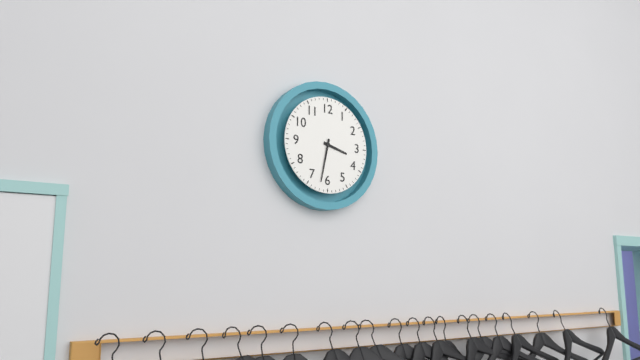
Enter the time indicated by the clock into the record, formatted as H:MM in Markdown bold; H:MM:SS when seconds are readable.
**3:32**
